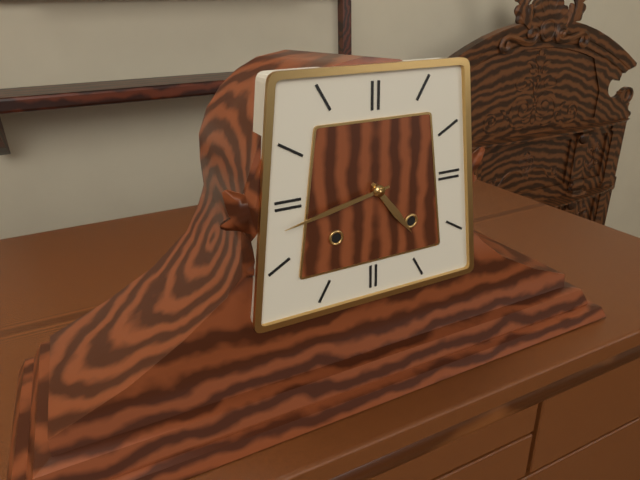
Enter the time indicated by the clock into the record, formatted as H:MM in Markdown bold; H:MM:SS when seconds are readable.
**4:43**
